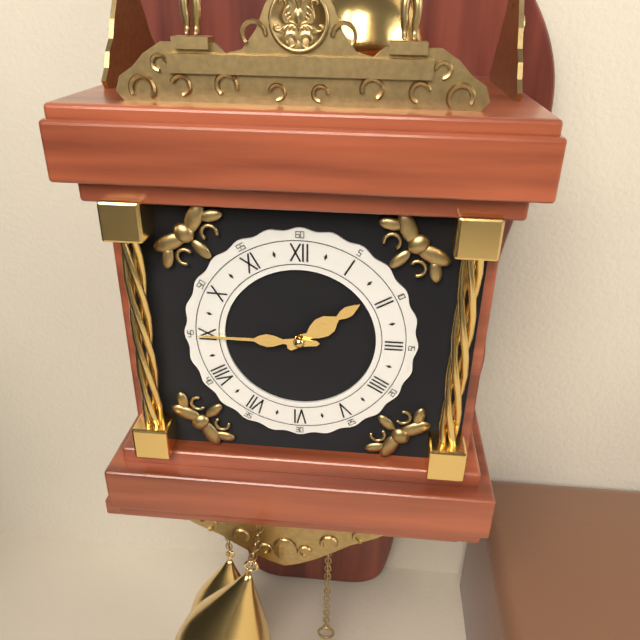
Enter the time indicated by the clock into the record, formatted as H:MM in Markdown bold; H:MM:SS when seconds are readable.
**1:45**
